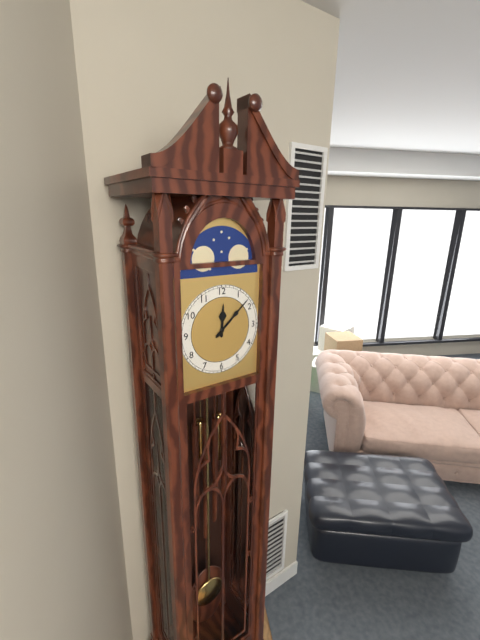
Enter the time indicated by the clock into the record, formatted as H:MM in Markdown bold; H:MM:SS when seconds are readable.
**12:08**
